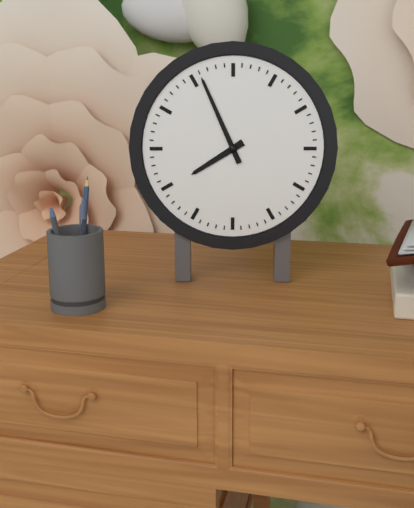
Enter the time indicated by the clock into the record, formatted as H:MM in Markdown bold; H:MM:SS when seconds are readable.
**7:56**
